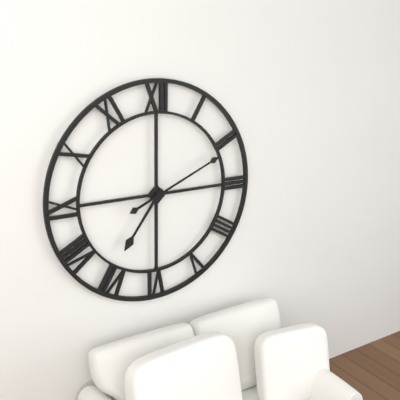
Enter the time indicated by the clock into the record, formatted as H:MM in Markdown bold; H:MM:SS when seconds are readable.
**7:11**
